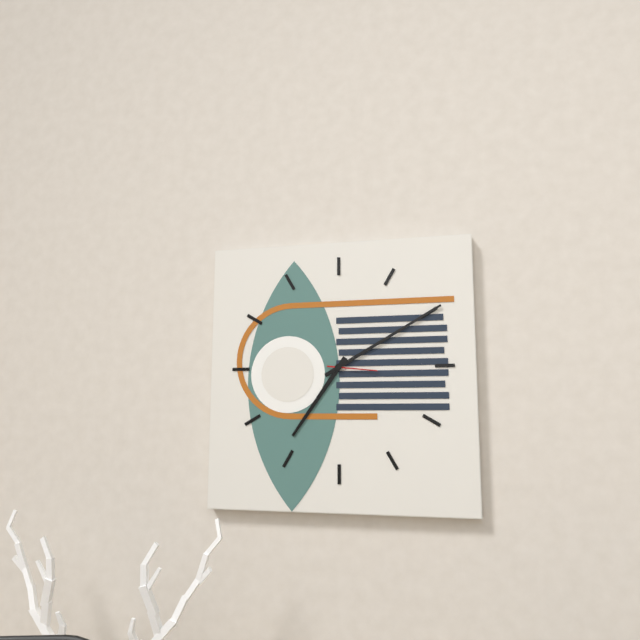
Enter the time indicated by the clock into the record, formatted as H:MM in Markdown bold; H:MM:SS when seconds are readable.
**7:10**
